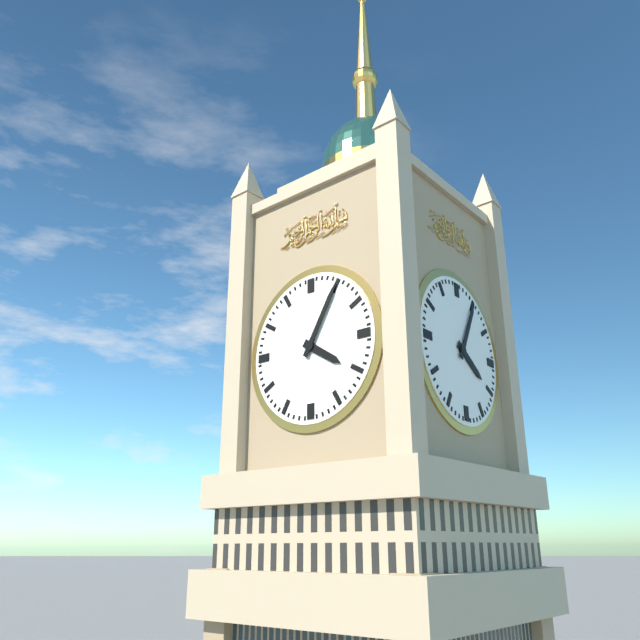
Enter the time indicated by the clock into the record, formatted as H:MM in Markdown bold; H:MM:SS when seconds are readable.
**4:05**
